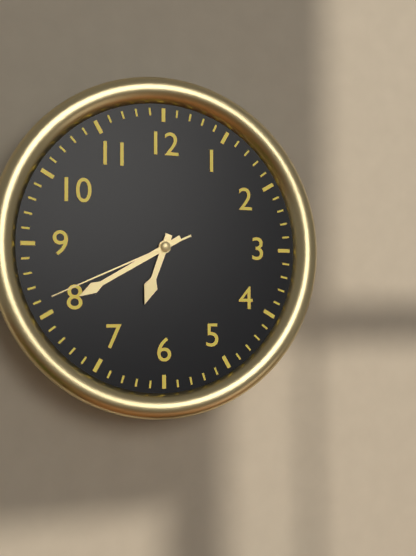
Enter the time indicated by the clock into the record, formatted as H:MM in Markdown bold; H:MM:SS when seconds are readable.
**6:40:41**
